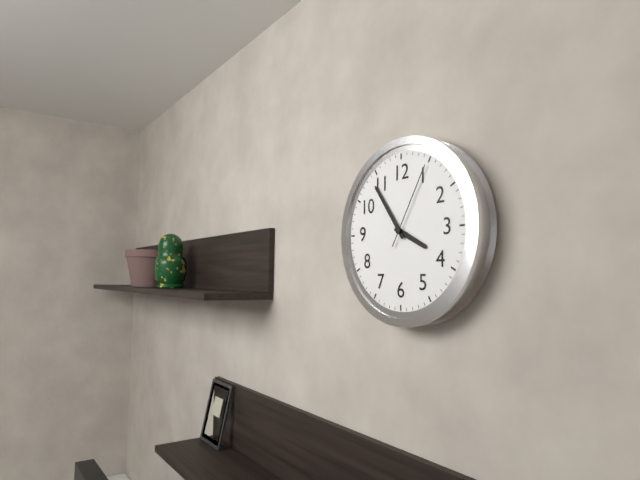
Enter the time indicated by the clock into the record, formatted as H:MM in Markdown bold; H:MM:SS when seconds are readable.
**3:54:05**
